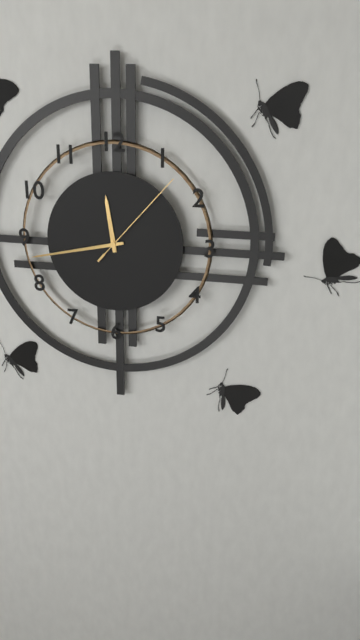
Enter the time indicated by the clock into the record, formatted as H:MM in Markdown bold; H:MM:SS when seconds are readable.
**11:43:07**
